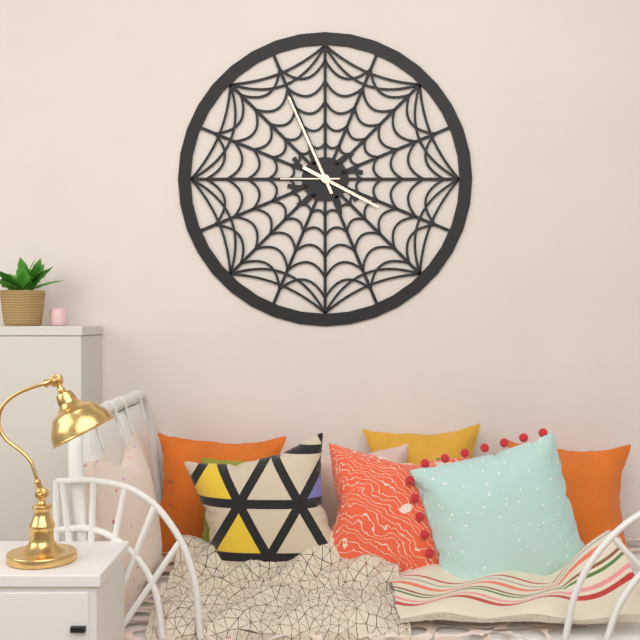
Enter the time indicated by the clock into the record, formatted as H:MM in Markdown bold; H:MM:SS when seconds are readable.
**3:56:45**
